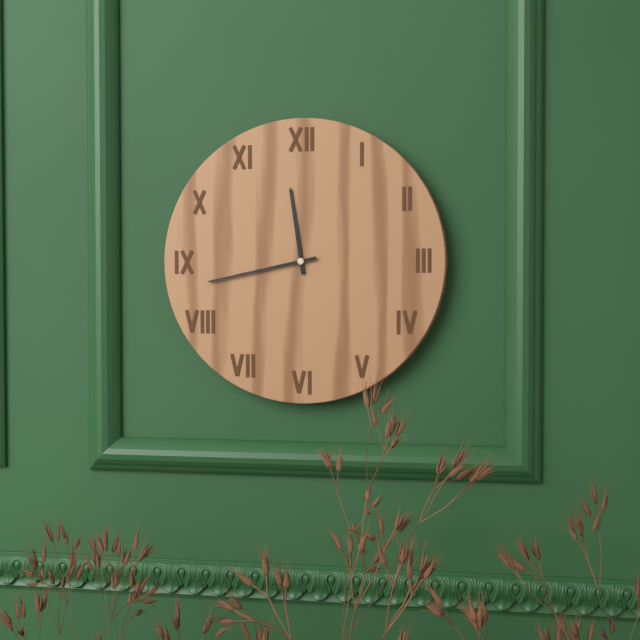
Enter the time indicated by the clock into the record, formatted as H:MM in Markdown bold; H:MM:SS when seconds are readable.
**11:43**
